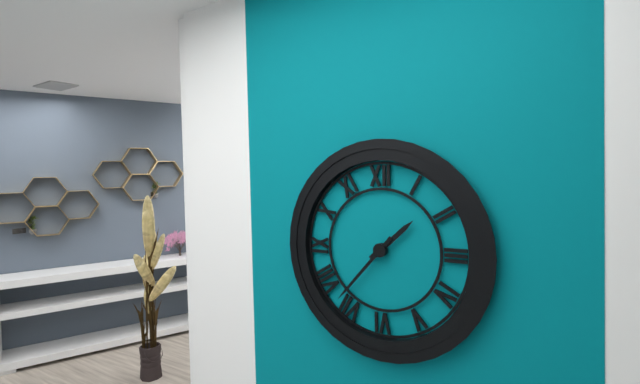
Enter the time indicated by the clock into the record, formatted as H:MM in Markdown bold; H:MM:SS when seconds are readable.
**1:37**
